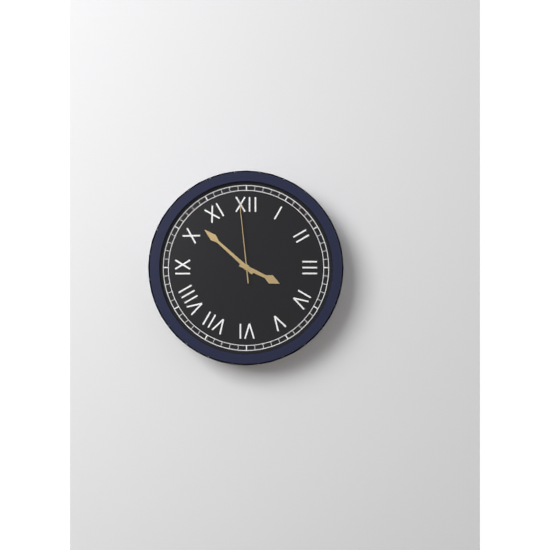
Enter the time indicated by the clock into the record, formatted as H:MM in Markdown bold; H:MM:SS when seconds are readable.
**3:52:59**
